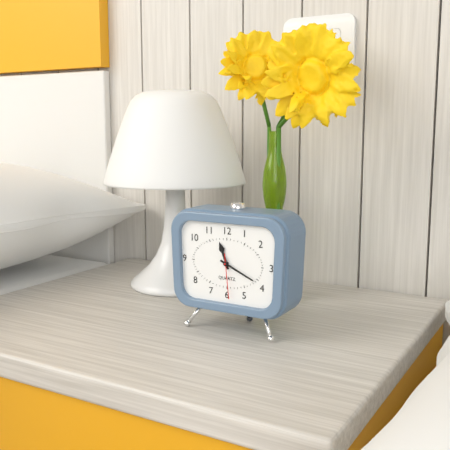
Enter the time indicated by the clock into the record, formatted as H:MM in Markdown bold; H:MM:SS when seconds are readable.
**11:19**
